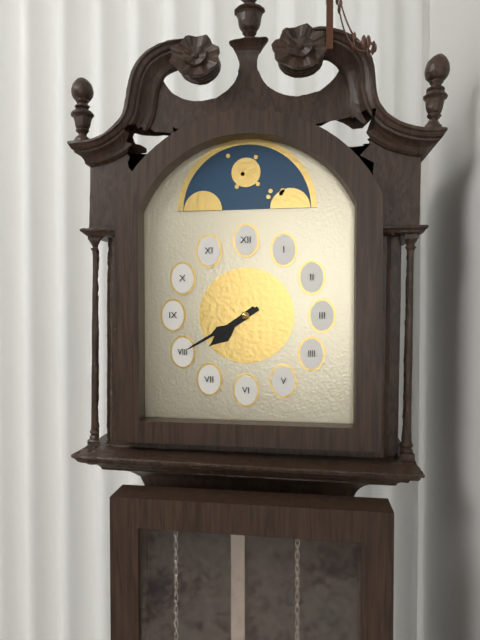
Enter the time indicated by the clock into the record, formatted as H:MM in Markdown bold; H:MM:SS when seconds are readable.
**7:40**
